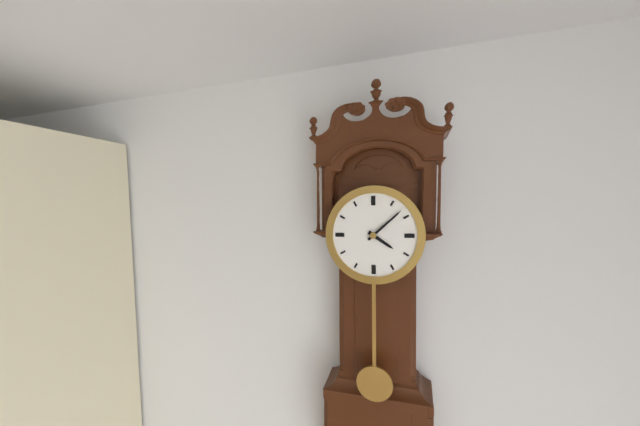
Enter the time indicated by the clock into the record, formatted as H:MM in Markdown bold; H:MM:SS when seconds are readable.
**4:08**
